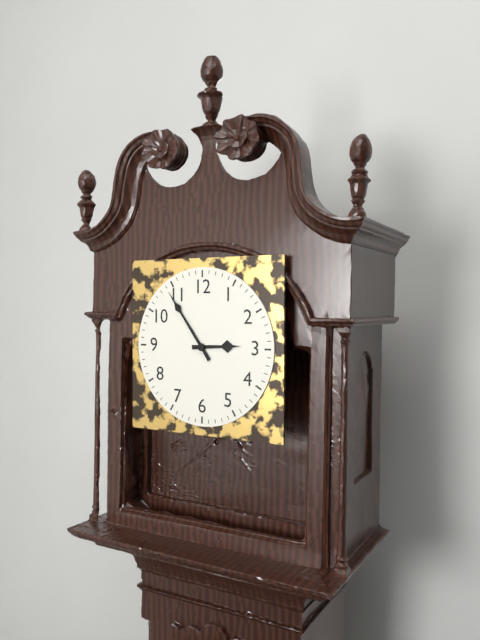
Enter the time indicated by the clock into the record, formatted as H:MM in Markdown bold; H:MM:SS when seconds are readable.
**2:54**
